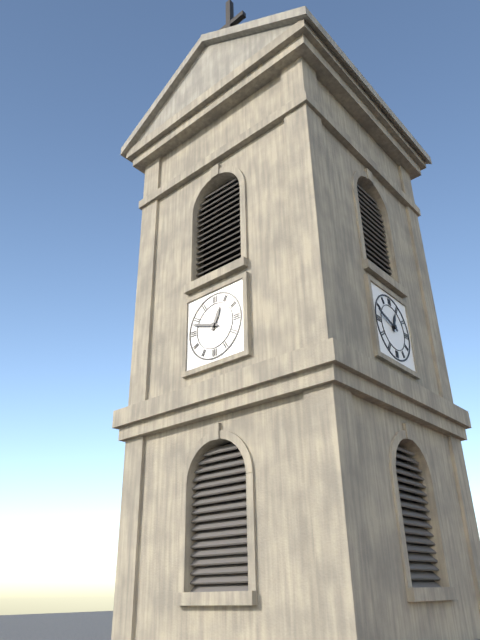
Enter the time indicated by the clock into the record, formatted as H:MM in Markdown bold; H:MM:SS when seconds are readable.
**12:48**
